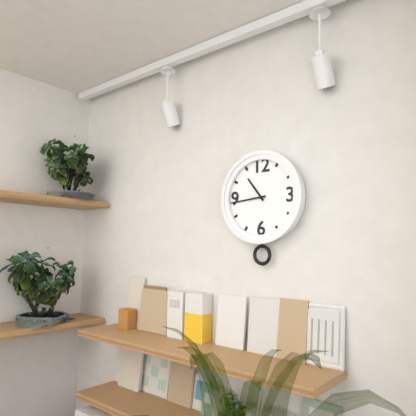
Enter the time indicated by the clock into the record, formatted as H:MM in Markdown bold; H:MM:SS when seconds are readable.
**10:44**
